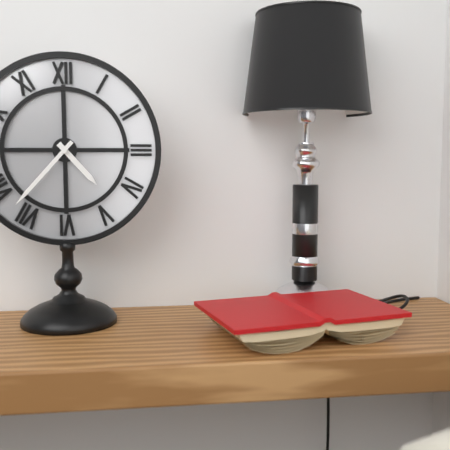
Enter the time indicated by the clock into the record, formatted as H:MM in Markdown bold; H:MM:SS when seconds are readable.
**4:37**
